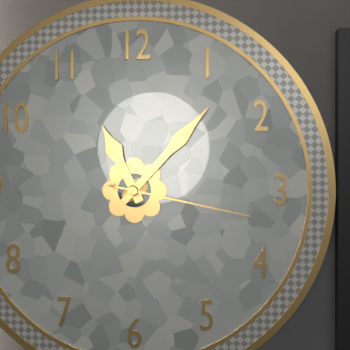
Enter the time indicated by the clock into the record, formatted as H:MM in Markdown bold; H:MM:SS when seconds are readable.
**11:07:17**
